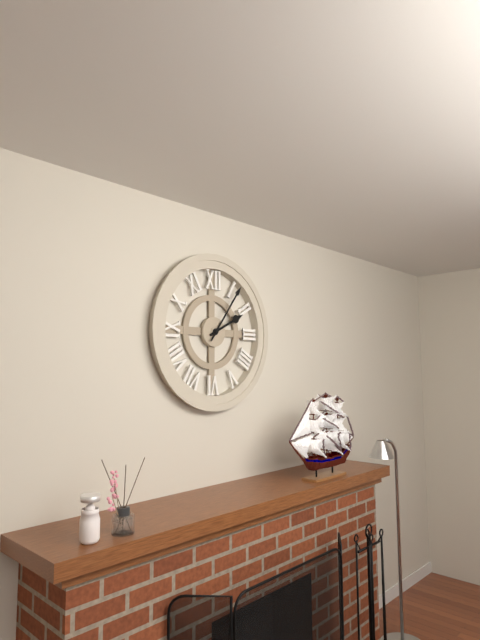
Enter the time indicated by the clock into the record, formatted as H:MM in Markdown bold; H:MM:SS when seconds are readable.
**2:06**
